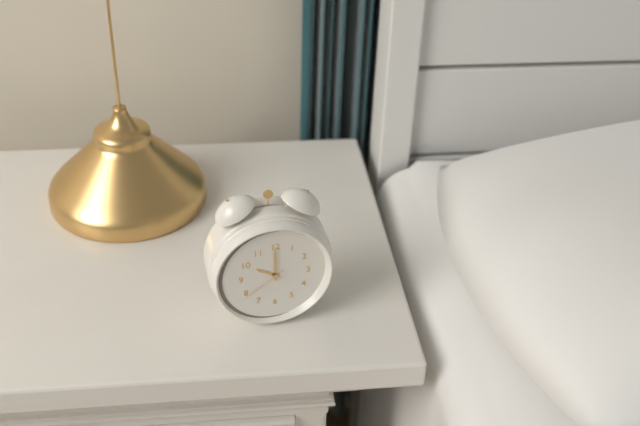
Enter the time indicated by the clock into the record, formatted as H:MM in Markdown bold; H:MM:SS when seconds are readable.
**10:00**
